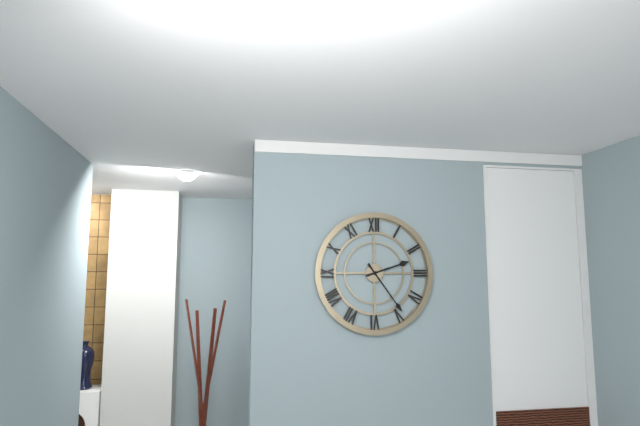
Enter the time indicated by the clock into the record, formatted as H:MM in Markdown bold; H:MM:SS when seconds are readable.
**2:24**
